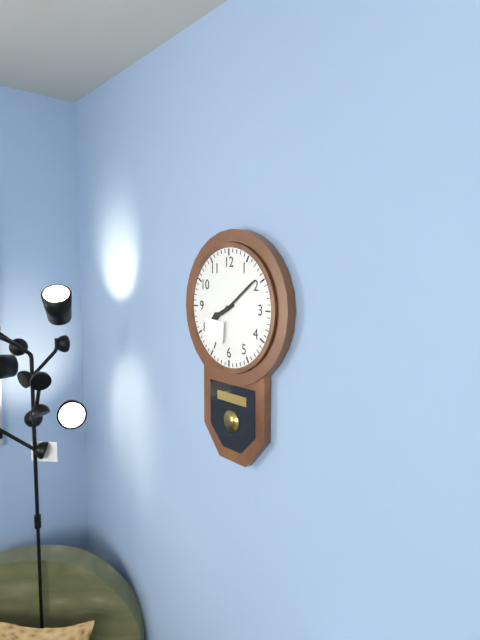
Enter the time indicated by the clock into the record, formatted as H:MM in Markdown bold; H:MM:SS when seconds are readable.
**8:09**
